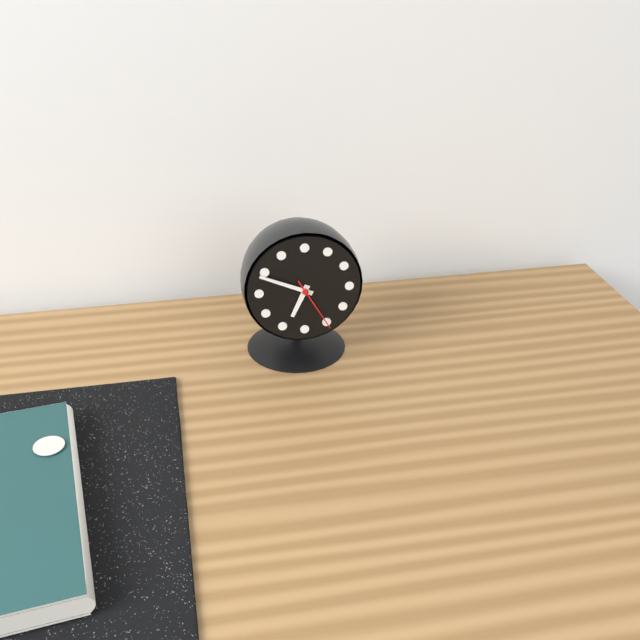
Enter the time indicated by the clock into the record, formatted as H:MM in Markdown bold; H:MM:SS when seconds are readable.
**6:49:25**
